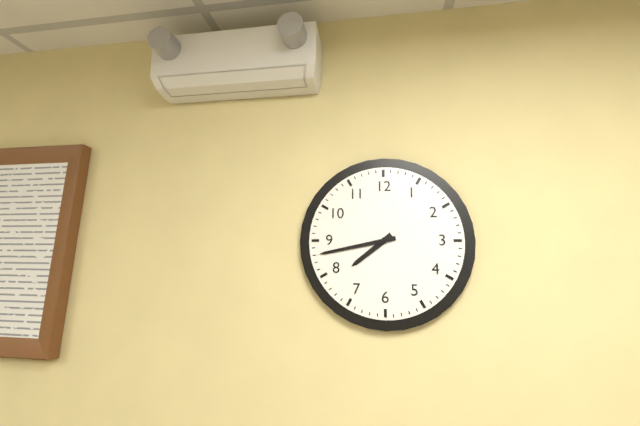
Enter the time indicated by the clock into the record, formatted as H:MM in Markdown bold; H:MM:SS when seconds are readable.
**7:43**
